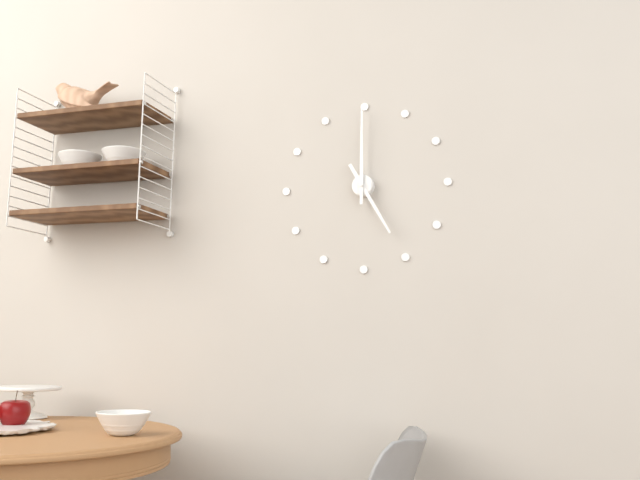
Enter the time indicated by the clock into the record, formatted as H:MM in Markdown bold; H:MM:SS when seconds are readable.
**5:00**
